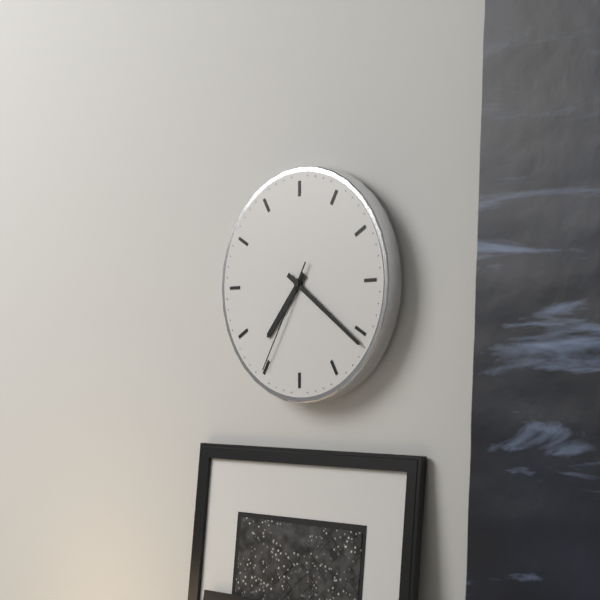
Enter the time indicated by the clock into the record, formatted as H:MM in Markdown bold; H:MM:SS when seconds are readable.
**7:21:35**
